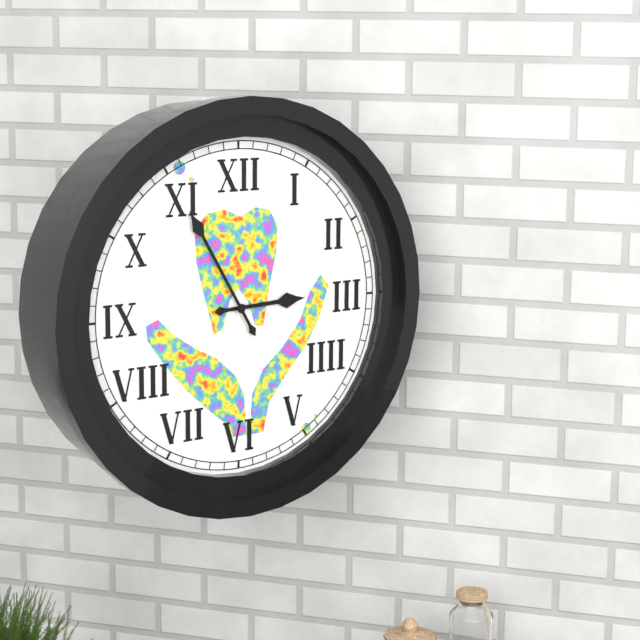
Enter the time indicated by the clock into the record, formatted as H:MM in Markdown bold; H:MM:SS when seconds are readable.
**2:55**
